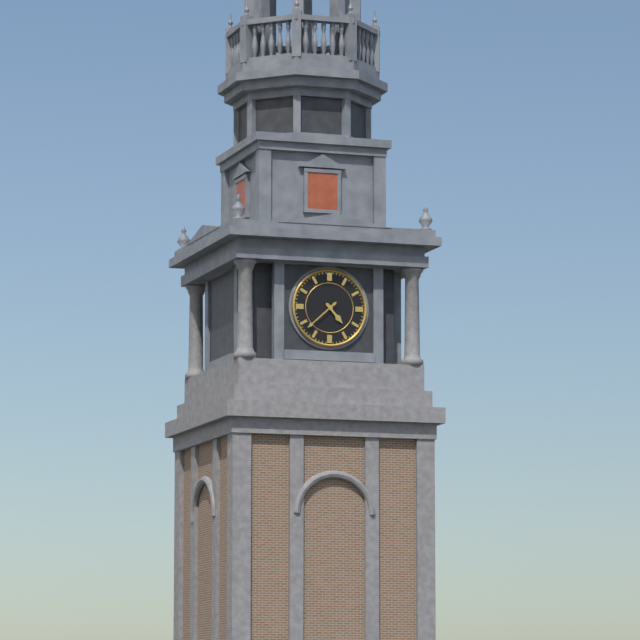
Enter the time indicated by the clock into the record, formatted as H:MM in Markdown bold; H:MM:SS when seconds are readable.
**4:38**
